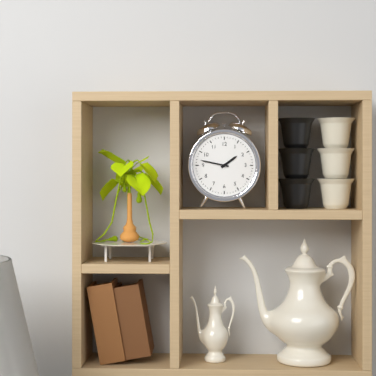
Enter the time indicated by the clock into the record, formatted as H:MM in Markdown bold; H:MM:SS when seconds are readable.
**1:47**
